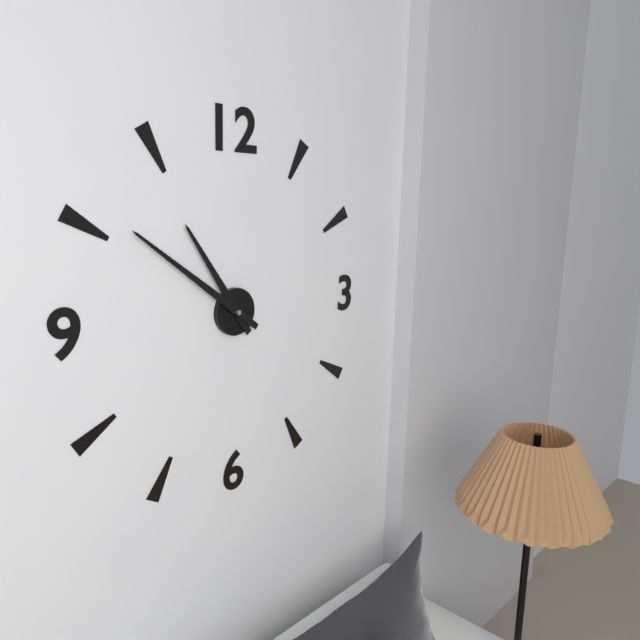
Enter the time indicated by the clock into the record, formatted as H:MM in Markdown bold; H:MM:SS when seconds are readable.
**10:51**
